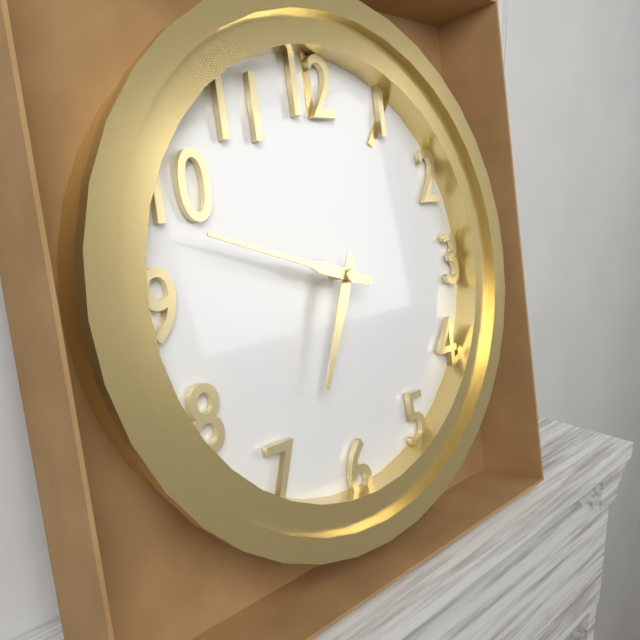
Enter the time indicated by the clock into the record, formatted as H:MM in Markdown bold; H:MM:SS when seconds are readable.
**6:48**
